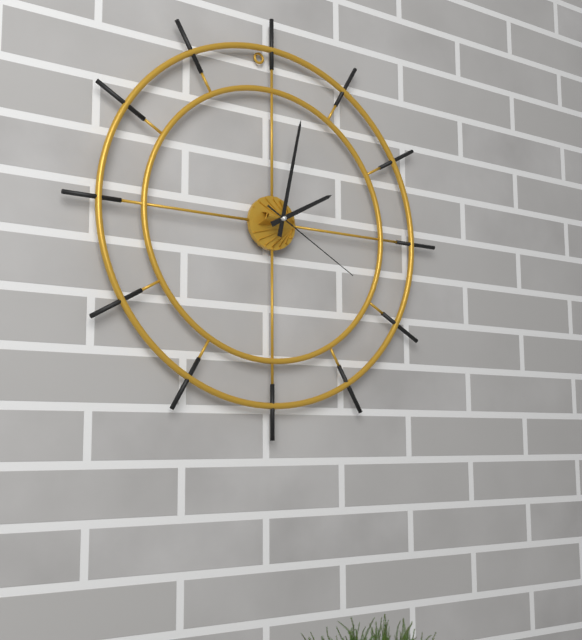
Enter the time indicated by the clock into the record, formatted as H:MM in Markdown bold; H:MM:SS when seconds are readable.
**2:02:20**
